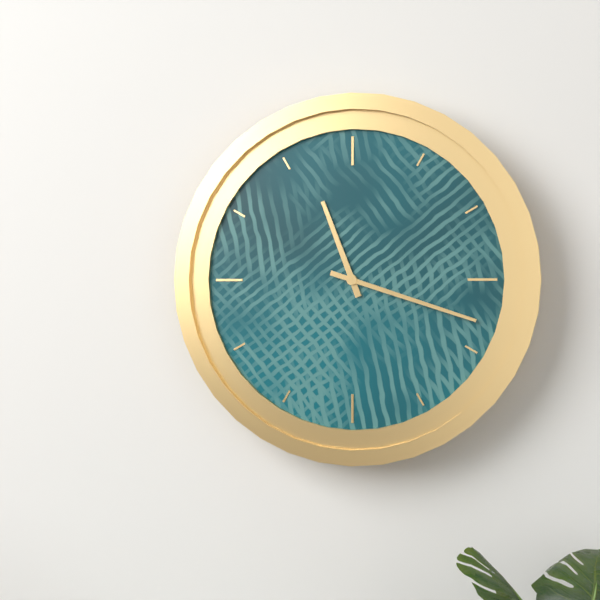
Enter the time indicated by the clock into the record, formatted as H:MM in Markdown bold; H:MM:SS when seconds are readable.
**11:18**
